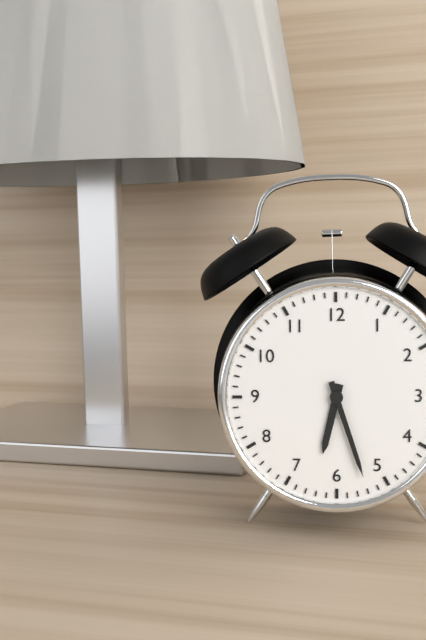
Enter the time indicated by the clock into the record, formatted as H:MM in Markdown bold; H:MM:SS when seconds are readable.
**6:27**
